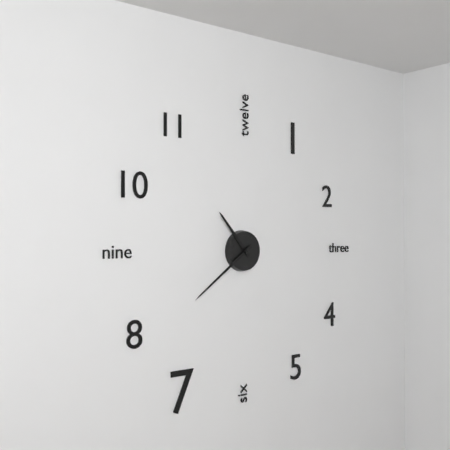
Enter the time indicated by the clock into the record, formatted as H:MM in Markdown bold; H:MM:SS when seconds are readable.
**10:39**
